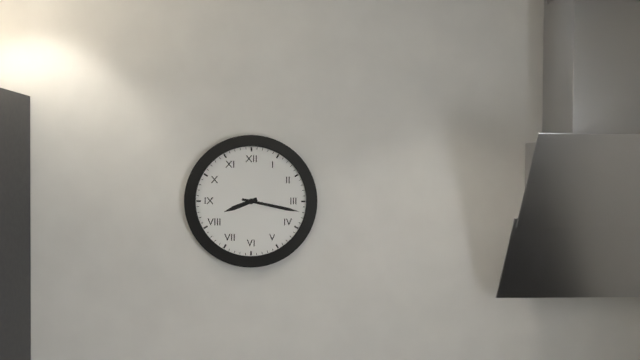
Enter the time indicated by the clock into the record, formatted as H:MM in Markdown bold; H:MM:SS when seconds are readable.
**8:17**
